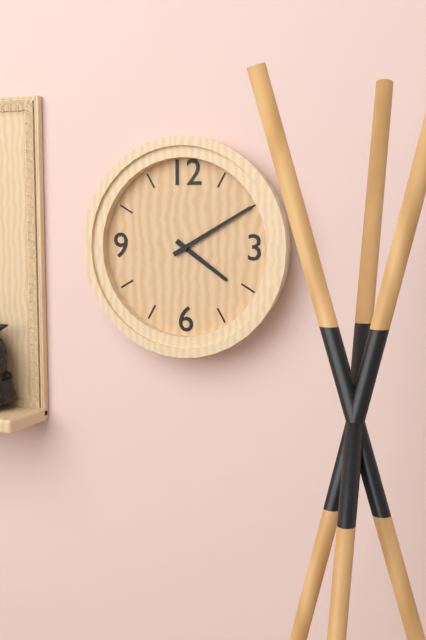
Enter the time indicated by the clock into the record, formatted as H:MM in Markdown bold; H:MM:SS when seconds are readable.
**4:10**
